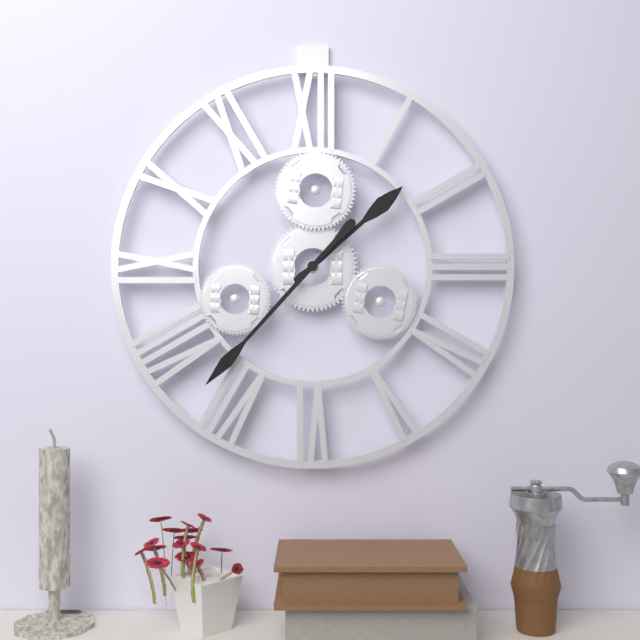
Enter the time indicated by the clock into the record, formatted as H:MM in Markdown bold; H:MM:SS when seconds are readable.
**1:37**
